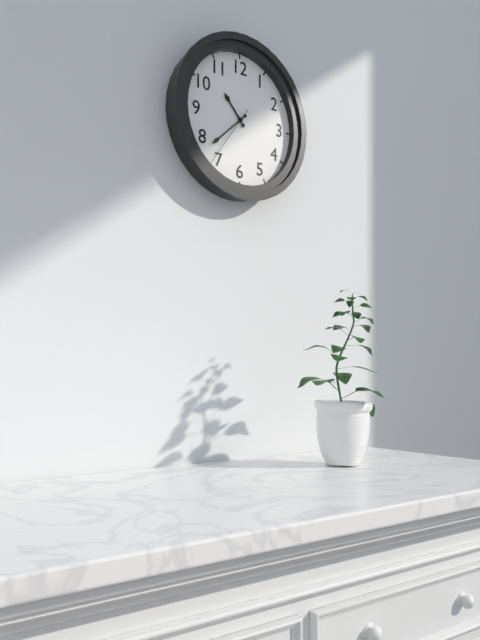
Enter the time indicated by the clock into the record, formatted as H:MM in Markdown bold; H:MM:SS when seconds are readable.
**10:38:36**
